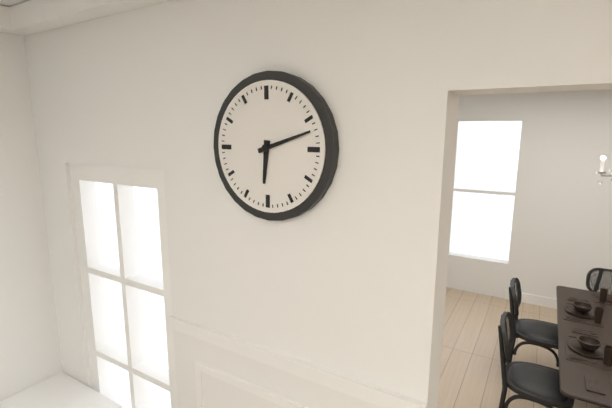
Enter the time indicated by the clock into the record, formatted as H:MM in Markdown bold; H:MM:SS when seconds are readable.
**6:12**
